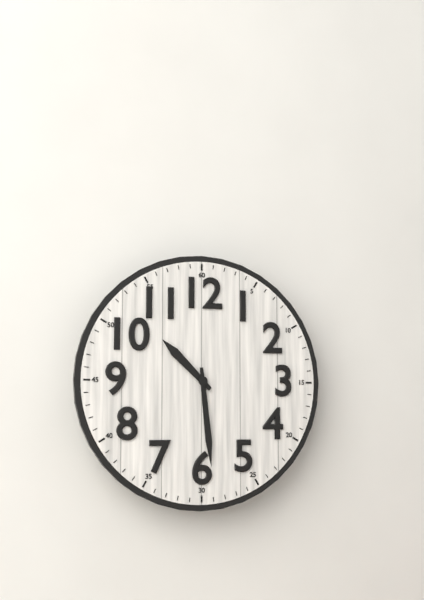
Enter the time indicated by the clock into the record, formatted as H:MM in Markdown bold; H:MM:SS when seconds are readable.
**10:29**
